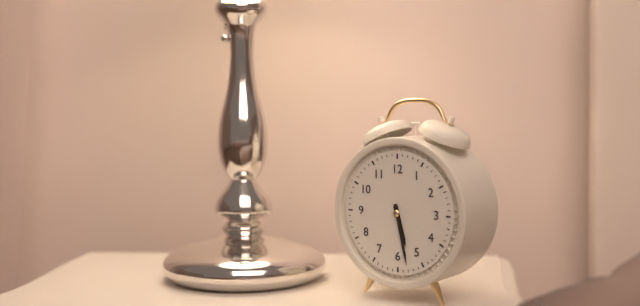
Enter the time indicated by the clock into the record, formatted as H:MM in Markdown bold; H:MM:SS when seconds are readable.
**5:28**
